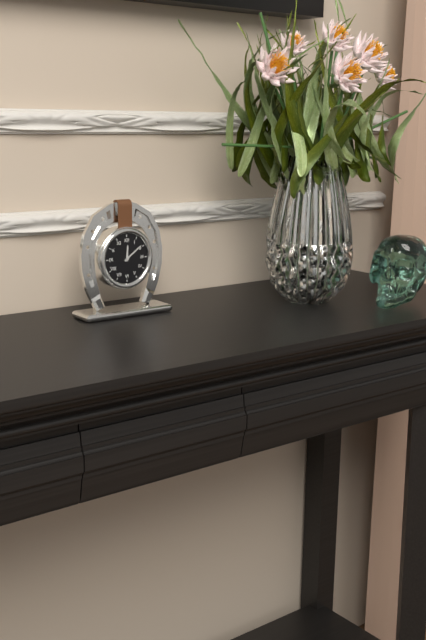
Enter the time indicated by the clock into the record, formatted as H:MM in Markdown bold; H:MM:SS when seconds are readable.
**12:09**
